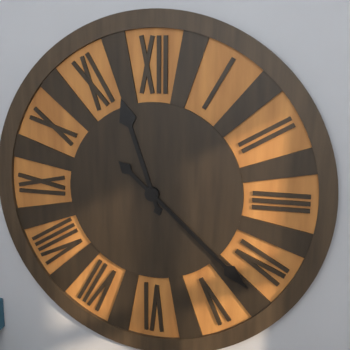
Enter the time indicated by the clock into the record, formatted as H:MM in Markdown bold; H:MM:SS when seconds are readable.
**11:22**
